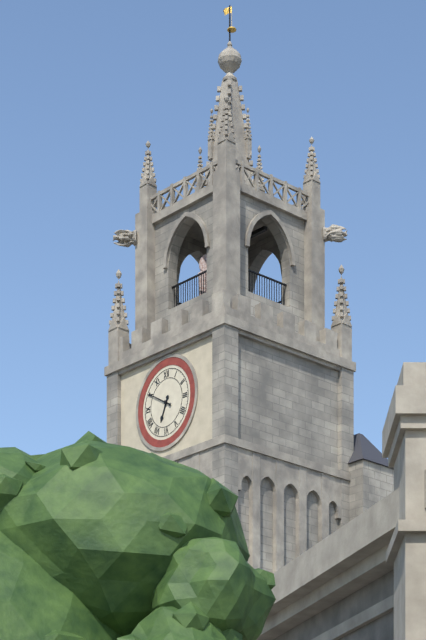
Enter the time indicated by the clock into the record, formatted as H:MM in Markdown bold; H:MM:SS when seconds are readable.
**6:50**
